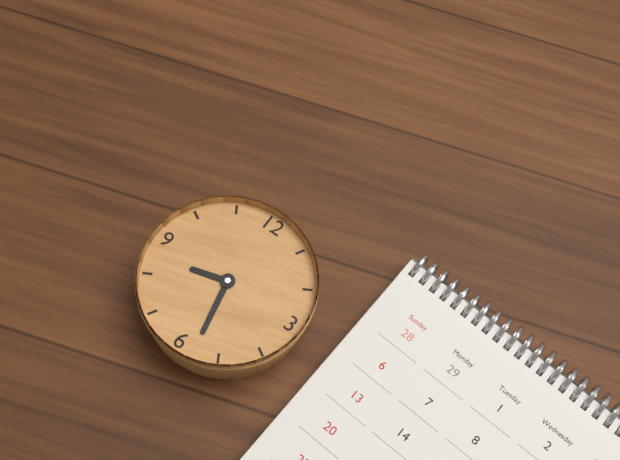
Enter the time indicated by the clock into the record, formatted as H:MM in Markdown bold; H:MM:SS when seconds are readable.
**8:28**
